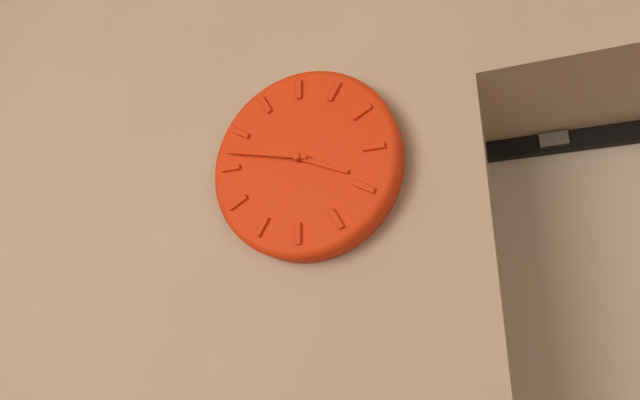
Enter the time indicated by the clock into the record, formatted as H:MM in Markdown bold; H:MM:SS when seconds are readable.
**3:47**
